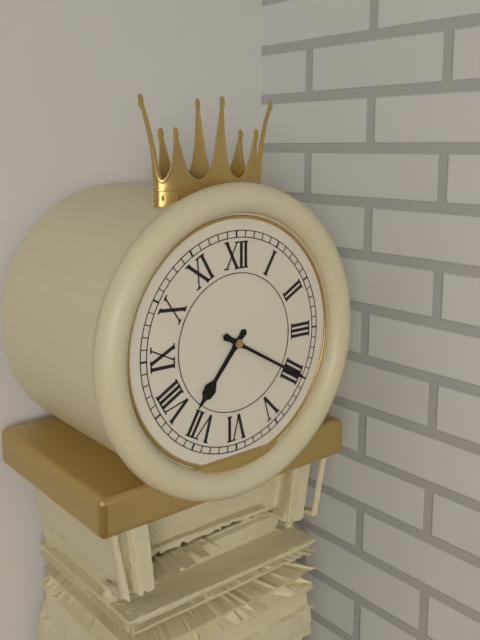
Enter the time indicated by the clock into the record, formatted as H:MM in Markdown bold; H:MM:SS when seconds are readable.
**7:20**
